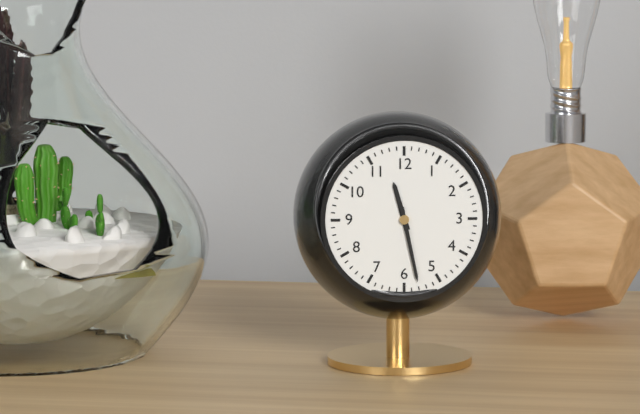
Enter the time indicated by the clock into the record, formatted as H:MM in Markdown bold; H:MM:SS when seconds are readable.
**11:28**
